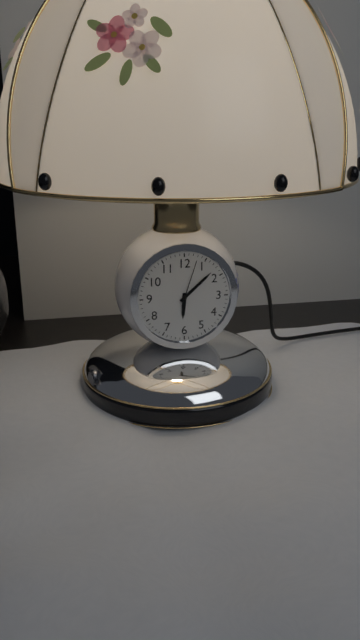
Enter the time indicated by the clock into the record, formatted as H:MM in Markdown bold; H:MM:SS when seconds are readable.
**6:08**
